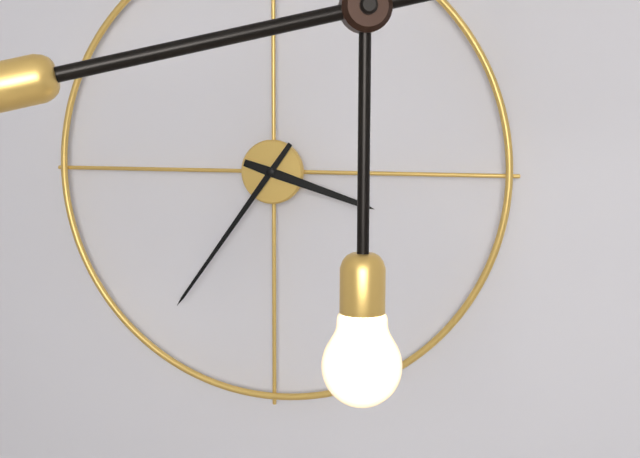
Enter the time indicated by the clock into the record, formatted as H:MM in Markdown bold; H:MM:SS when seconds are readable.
**3:36**
